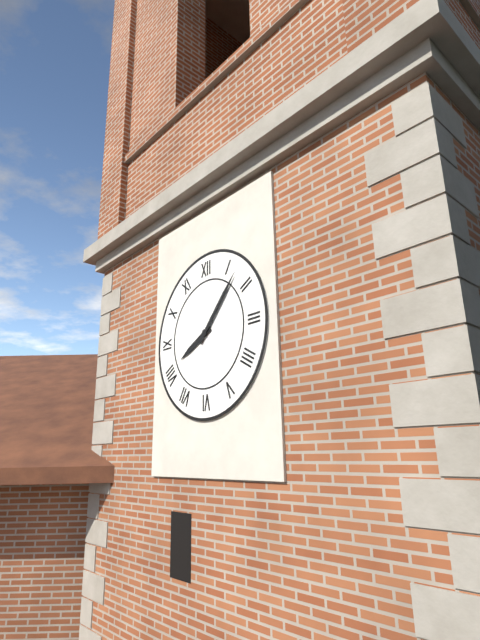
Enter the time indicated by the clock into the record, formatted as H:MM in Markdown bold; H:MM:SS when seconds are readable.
**8:07**
